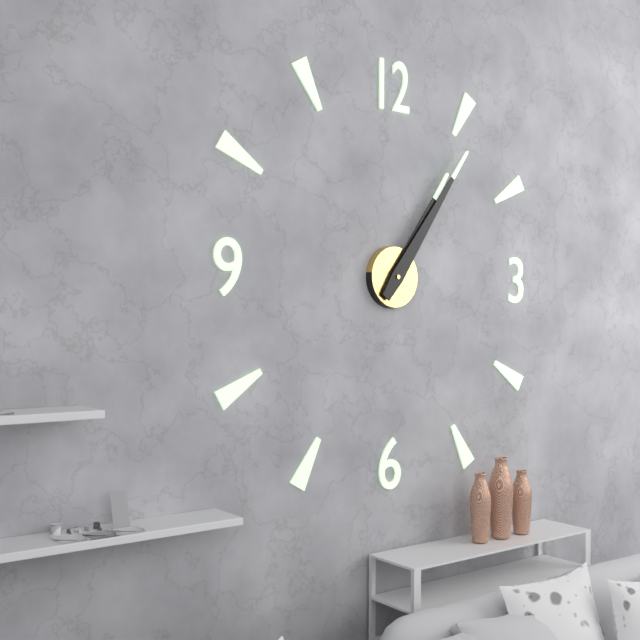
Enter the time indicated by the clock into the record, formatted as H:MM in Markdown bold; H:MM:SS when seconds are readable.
**1:06**
